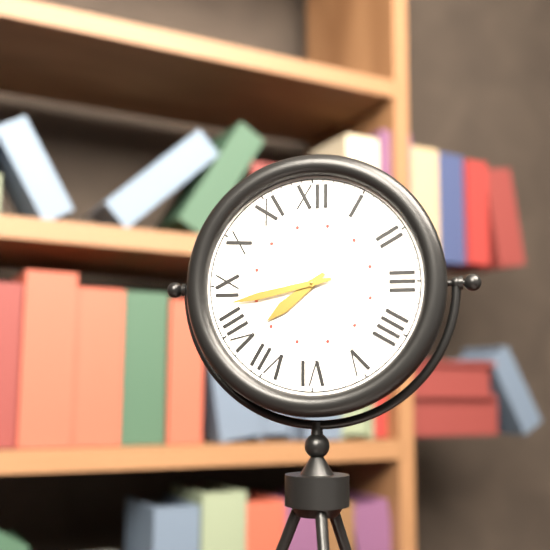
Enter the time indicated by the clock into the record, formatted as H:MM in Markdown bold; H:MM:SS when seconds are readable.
**7:43**
